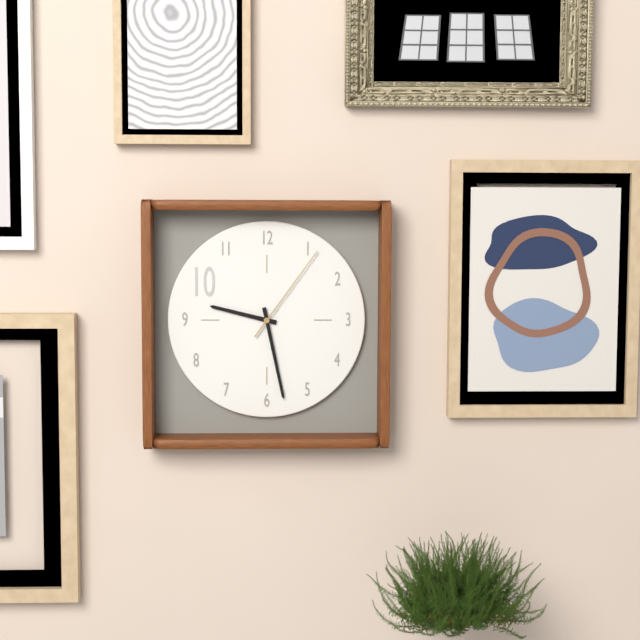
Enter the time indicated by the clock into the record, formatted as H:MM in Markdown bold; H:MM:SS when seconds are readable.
**9:28:06**
